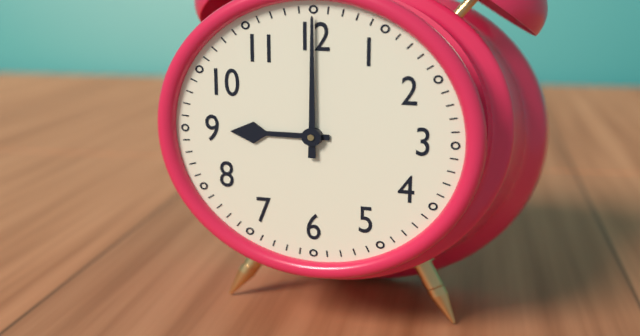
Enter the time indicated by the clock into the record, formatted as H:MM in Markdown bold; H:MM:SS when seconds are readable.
**9:00**
